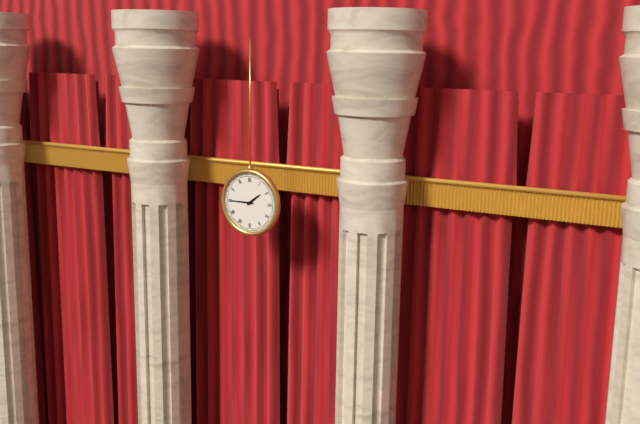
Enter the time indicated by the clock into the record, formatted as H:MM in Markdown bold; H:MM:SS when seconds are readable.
**1:45**
